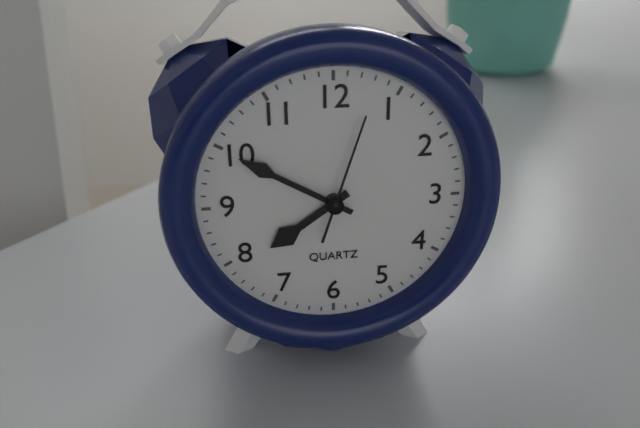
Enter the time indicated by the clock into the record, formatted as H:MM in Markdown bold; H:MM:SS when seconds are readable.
**7:50:03**
